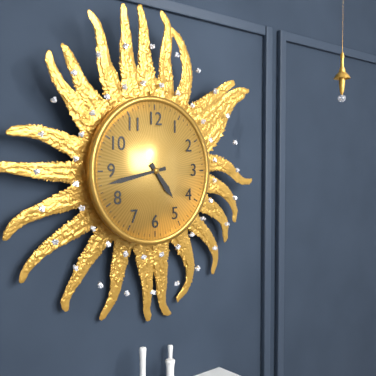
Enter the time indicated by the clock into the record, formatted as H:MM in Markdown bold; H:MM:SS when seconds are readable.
**4:43**
